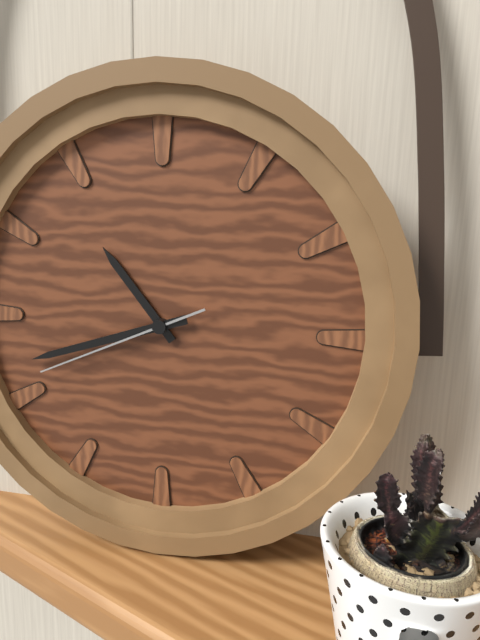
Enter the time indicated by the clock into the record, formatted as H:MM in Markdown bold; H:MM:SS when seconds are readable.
**10:42:41**
